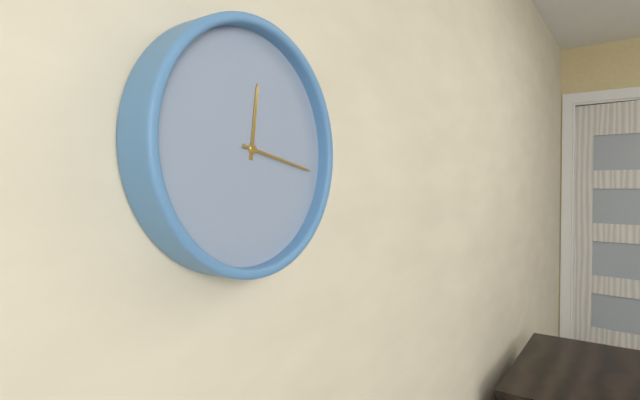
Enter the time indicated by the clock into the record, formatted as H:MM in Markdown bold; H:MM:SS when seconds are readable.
**12:17**
